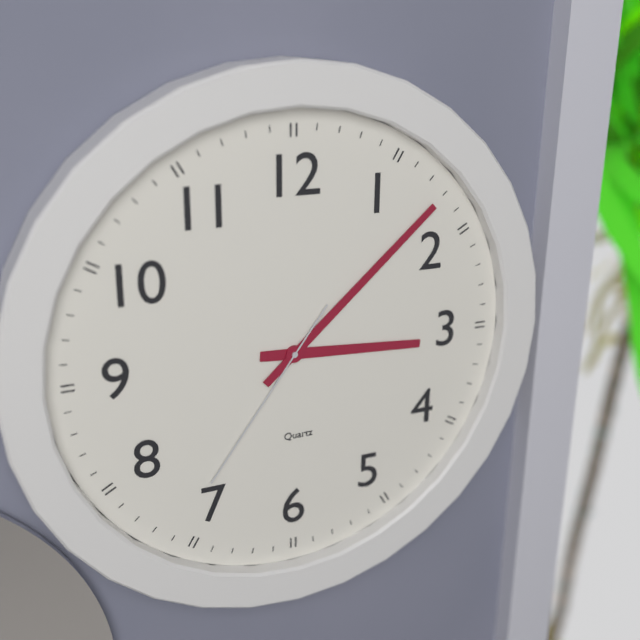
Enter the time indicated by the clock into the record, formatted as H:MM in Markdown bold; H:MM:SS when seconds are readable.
**3:08:36**
